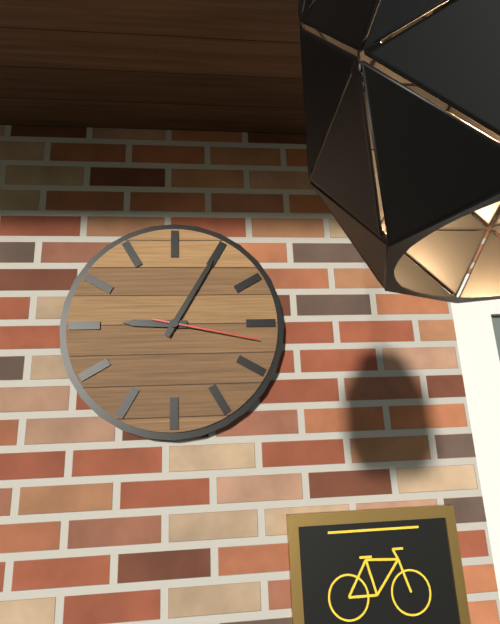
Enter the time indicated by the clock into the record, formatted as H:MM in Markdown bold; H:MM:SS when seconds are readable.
**9:05:17**
